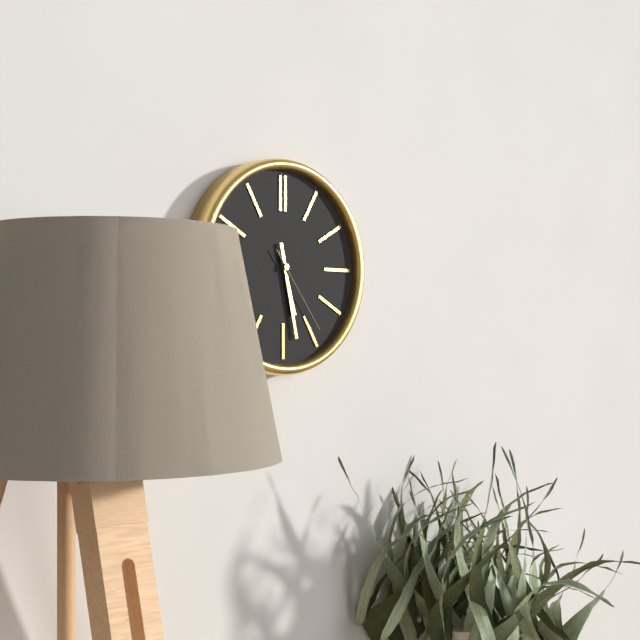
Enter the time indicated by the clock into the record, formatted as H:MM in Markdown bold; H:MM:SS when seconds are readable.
**5:28:24**
